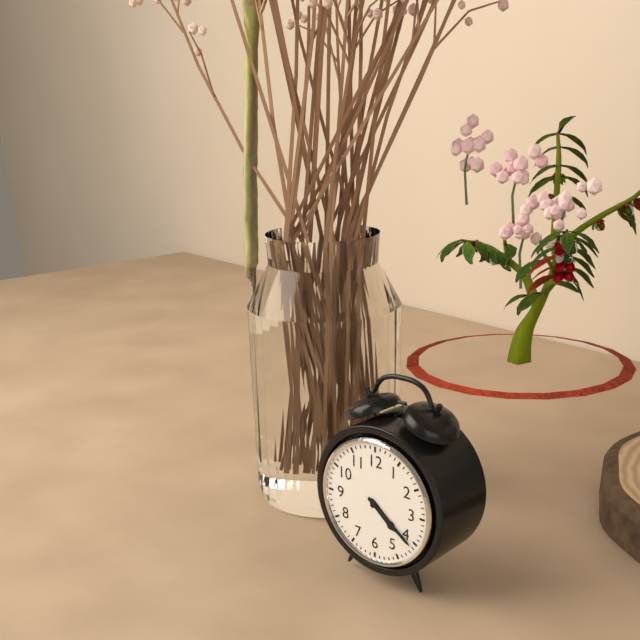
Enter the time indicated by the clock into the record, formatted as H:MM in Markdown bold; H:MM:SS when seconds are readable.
**4:21**
